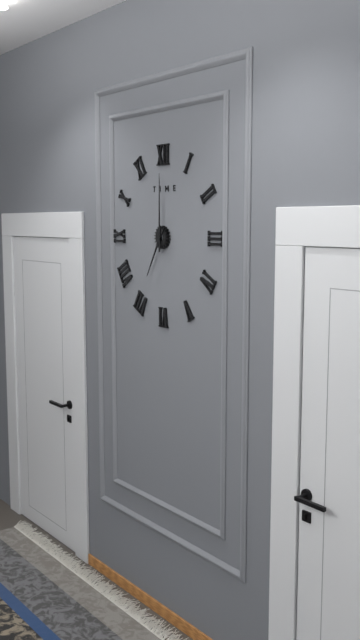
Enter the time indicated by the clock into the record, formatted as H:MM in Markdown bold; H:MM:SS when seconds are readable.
**7:00**
